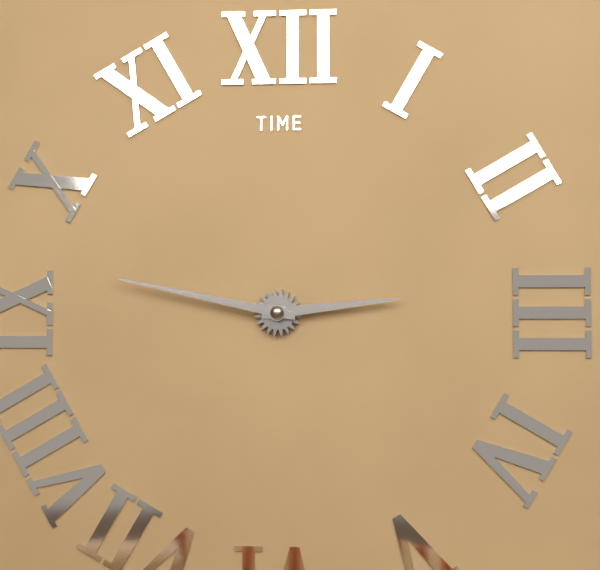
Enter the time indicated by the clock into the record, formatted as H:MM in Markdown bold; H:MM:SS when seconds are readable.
**2:47**
